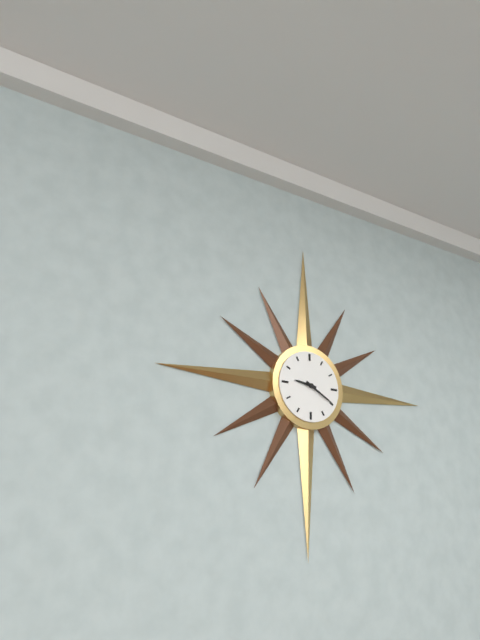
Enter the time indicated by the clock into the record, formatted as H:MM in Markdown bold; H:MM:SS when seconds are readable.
**9:20**
